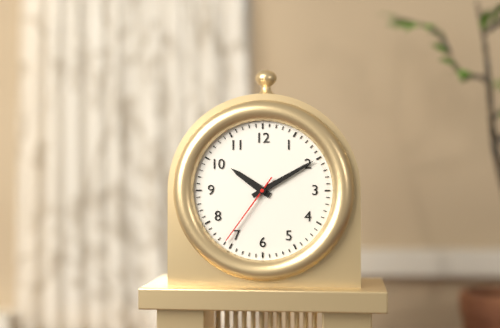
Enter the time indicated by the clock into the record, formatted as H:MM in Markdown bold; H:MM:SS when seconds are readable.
**10:10:36**
